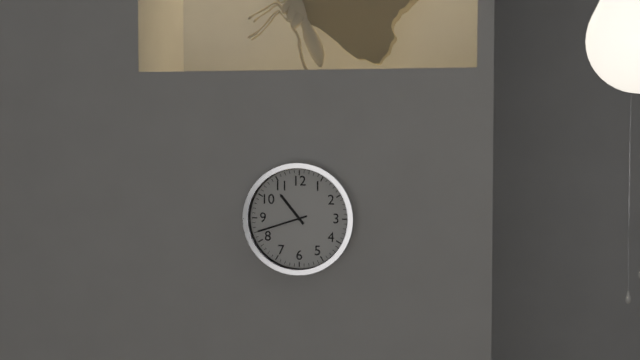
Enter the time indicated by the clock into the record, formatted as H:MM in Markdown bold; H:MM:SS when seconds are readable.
**10:42**
